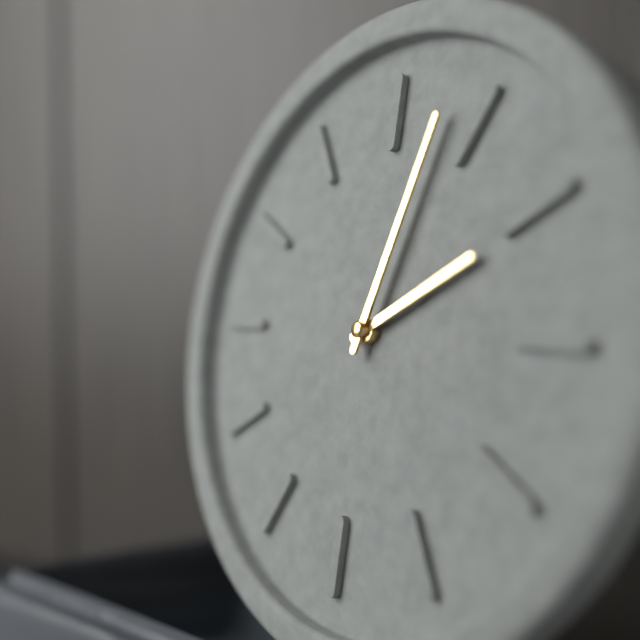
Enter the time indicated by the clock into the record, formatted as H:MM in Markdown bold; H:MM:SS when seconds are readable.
**2:03**
